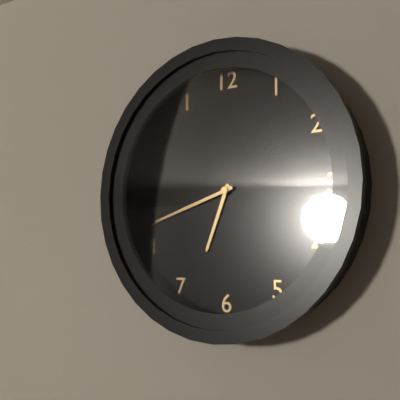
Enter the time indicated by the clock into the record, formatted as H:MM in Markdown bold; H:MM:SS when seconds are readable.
**6:42**
